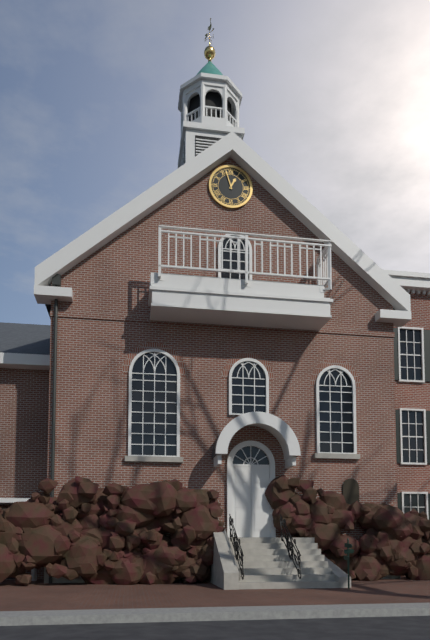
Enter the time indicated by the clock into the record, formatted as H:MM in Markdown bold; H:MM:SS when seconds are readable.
**12:57**
